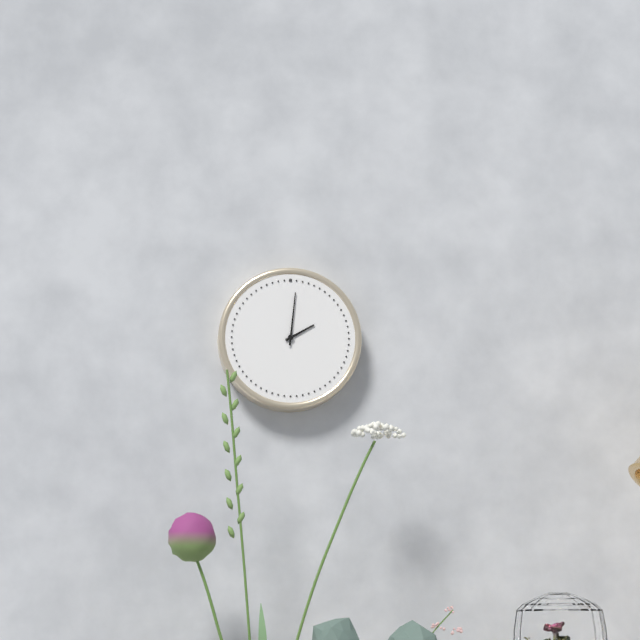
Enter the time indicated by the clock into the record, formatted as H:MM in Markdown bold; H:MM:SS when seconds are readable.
**2:01**
